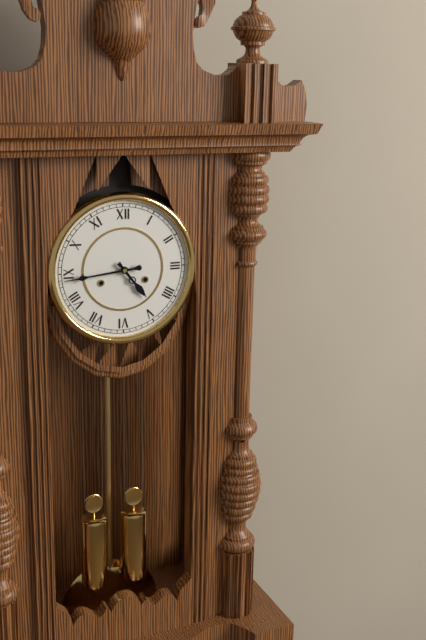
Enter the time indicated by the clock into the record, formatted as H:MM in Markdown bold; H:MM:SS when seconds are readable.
**4:44**
